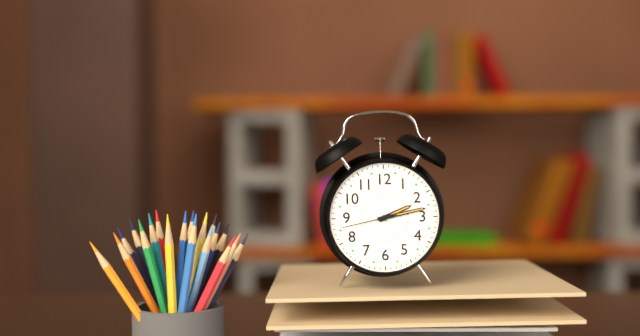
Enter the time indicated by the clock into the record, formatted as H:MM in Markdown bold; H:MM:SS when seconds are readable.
**2:13:43**
